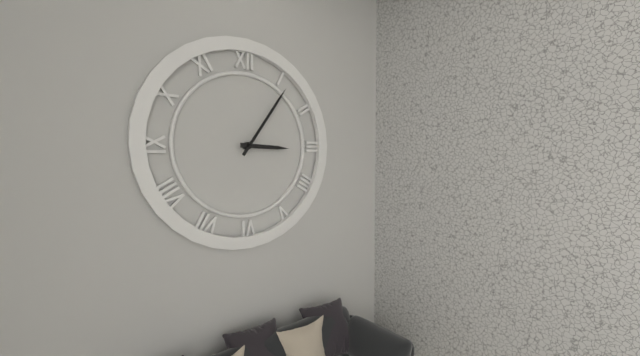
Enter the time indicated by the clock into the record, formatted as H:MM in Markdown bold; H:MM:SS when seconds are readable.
**3:06**
